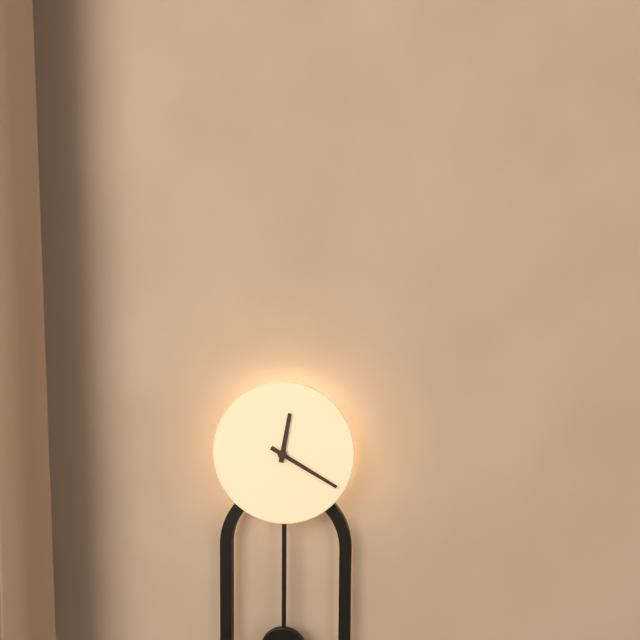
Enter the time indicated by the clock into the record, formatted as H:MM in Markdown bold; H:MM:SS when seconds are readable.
**12:20**
